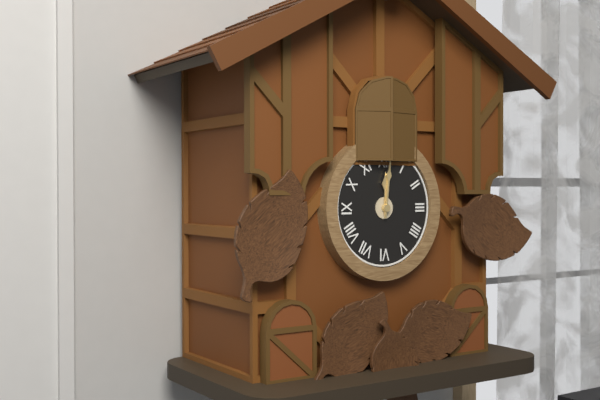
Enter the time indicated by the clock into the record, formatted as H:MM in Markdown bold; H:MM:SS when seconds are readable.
**12:01**
